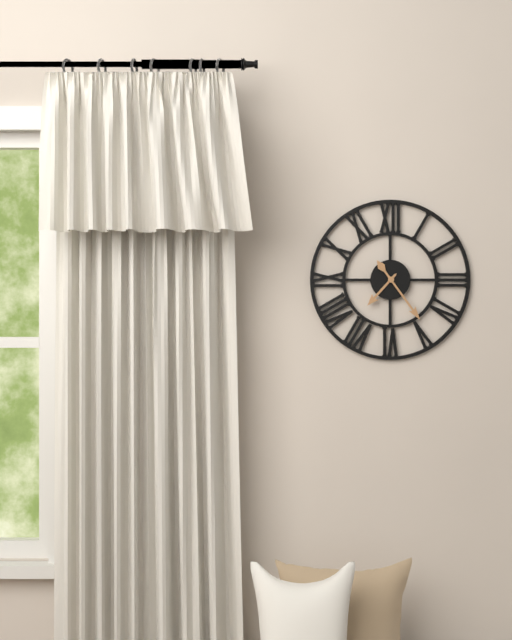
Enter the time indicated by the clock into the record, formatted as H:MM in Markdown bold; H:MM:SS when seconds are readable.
**7:24**
